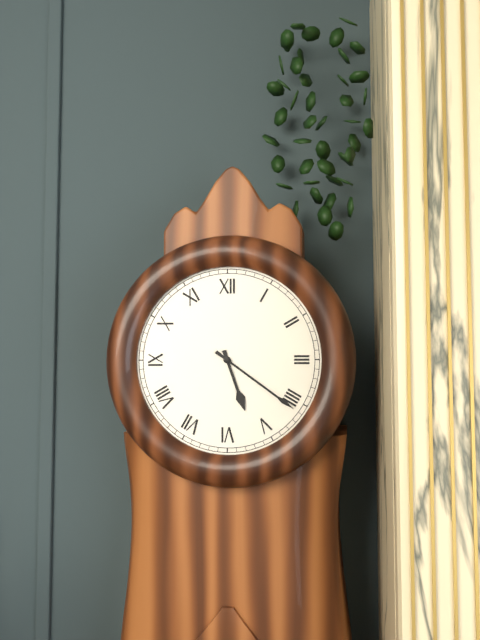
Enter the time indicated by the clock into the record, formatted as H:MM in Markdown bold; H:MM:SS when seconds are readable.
**5:21**
